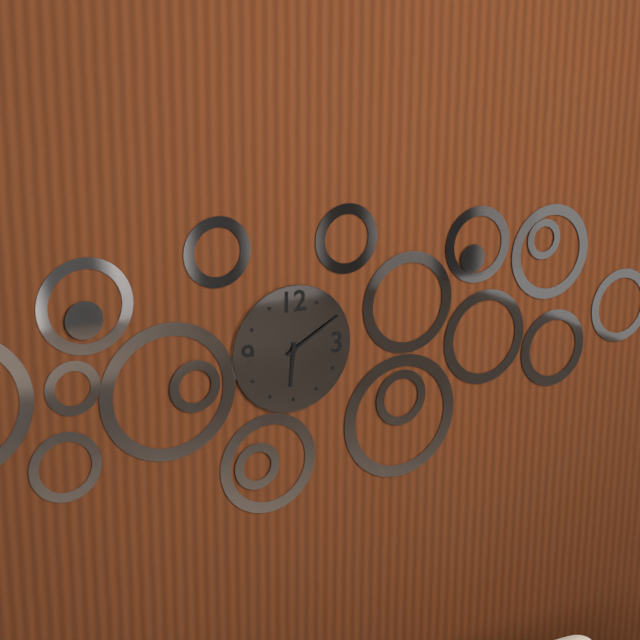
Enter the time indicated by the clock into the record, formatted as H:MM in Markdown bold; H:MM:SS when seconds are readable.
**6:10**
